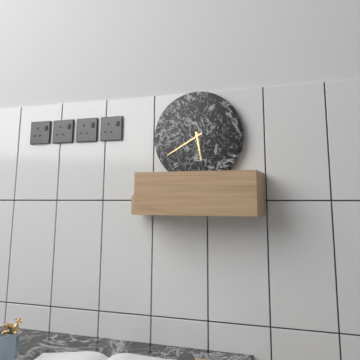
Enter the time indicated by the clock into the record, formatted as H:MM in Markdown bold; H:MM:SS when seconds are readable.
**5:40**
